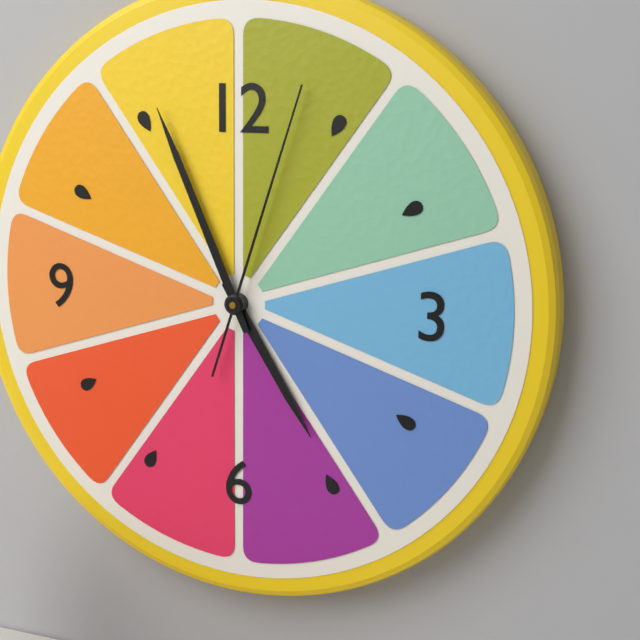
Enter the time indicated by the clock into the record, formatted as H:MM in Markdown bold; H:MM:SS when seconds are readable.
**4:56:03**
